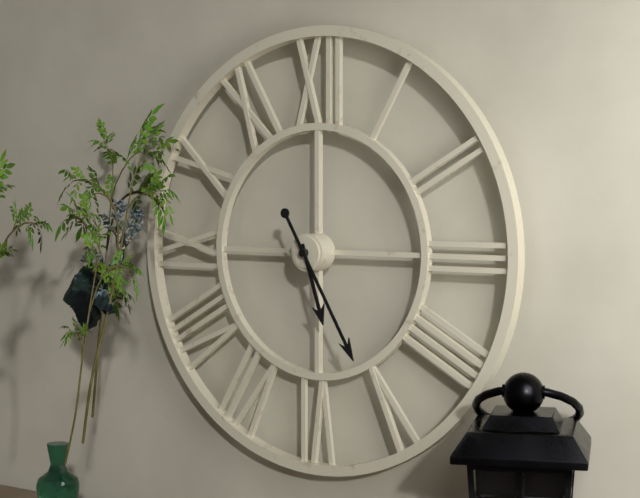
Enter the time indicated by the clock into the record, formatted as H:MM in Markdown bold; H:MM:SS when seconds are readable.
**5:25**
